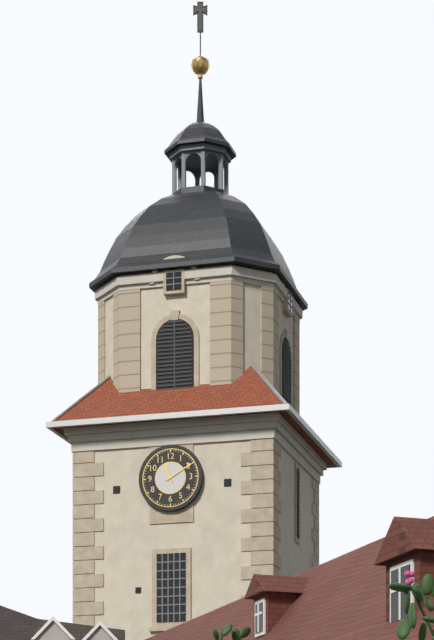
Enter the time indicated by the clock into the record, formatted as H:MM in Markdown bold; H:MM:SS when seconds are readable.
**11:10**
